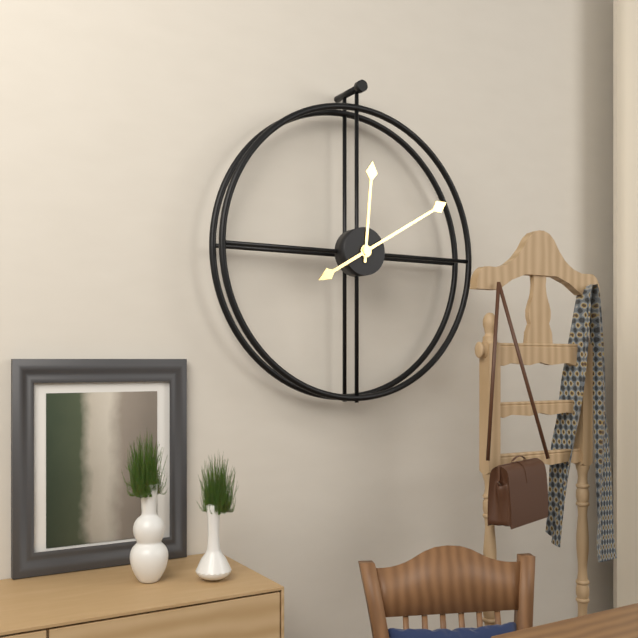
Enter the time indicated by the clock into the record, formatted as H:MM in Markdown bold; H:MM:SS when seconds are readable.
**12:10**
